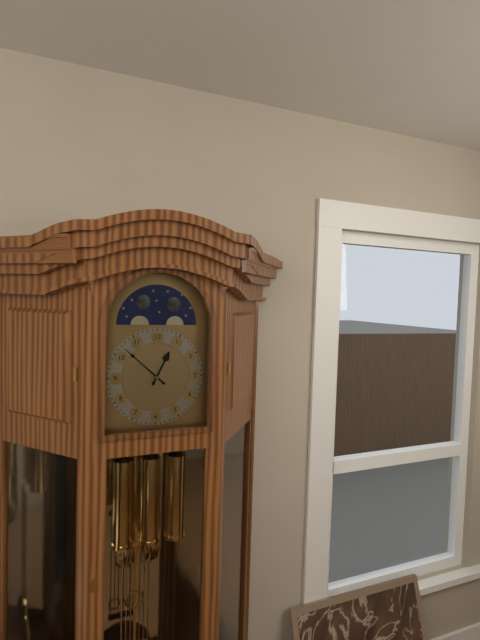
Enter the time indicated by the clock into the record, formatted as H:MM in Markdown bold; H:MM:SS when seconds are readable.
**12:52**
